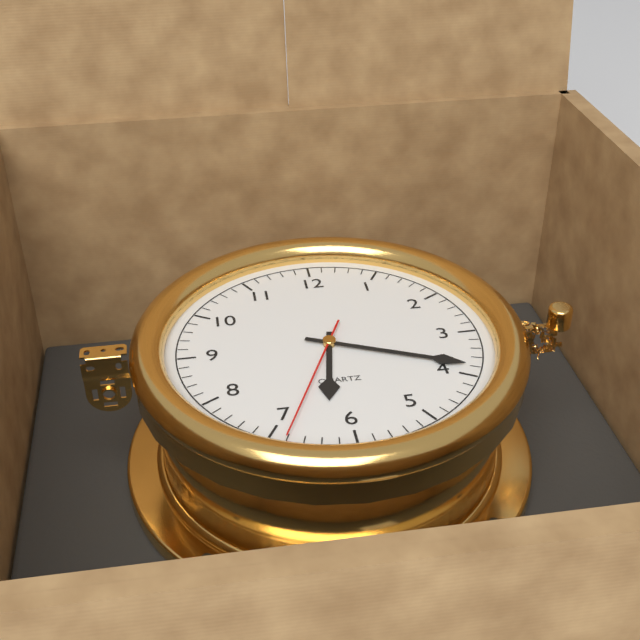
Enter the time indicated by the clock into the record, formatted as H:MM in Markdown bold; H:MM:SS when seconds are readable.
**6:19:34**
